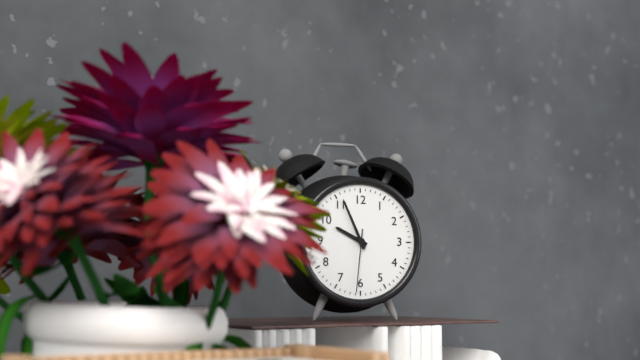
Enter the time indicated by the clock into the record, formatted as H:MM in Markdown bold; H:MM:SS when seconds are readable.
**9:56:31**
